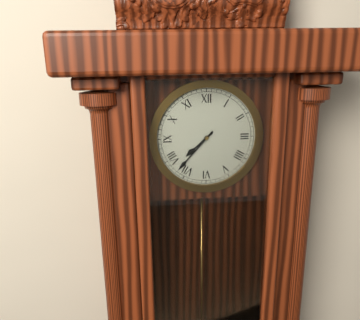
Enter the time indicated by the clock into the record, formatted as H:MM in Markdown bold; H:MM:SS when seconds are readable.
**7:37**
